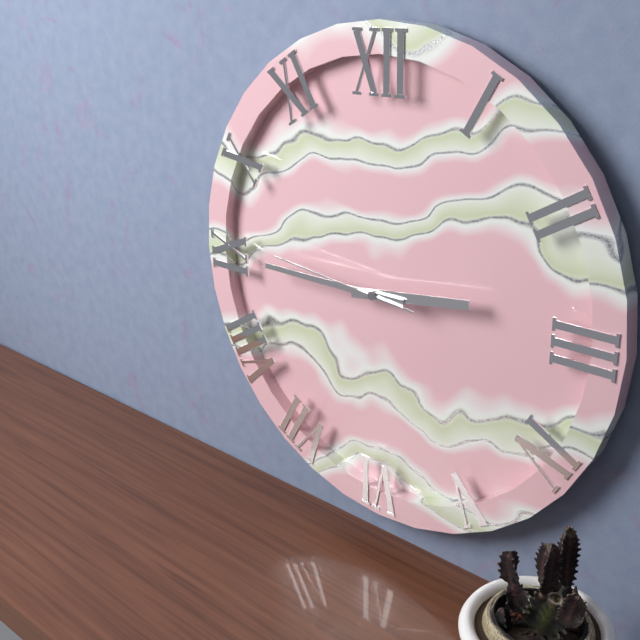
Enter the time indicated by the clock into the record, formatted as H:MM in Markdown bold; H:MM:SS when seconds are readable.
**2:45:46**
